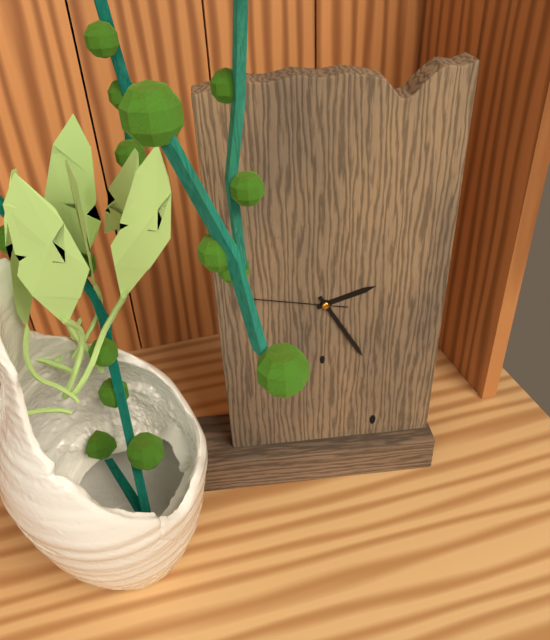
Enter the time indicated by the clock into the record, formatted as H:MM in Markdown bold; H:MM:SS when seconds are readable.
**2:25:47**
